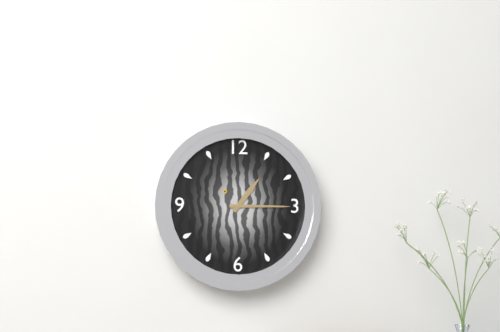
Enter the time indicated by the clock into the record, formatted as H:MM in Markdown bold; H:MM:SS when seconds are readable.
**1:15**
